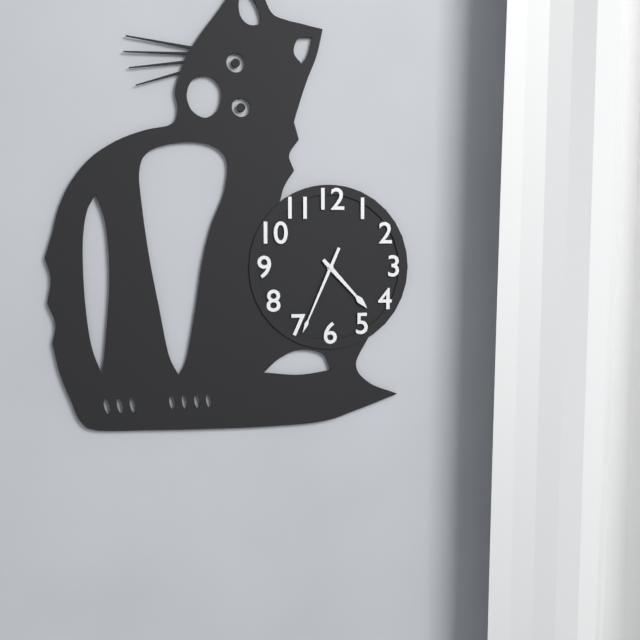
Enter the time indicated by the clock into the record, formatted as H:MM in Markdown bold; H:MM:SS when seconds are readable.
**4:34**
